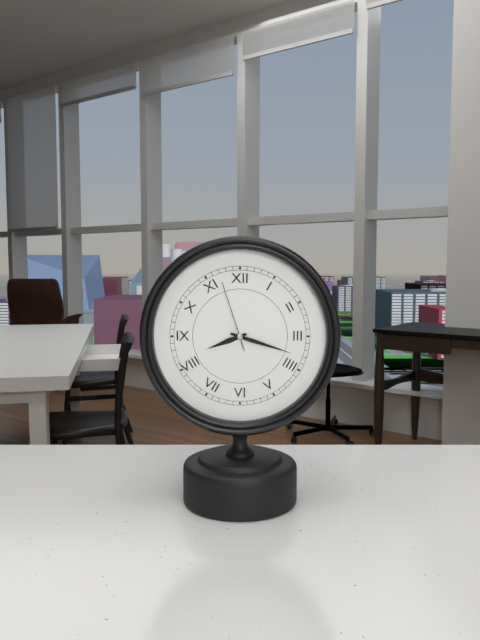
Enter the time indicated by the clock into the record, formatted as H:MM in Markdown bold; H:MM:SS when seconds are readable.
**8:18:57**
